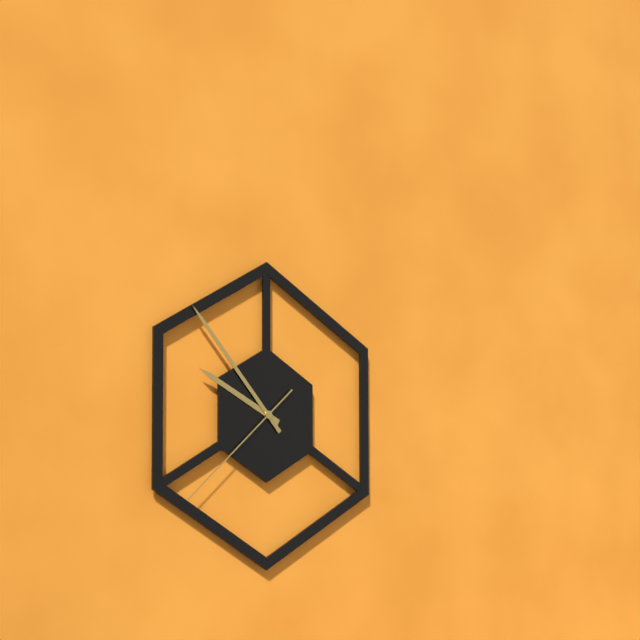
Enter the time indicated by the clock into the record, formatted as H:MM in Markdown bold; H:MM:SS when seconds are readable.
**9:53:38**
